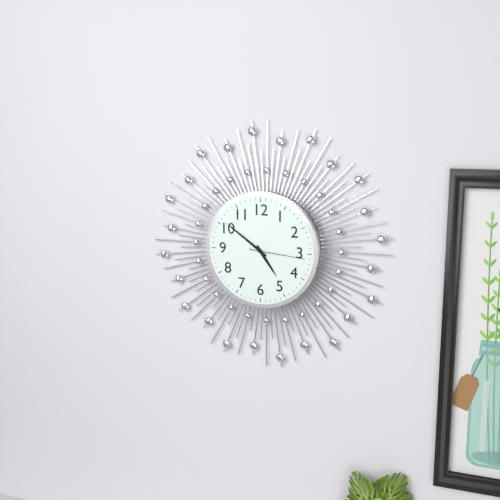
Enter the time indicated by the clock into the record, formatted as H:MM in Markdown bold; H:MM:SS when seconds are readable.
**4:51:16**
